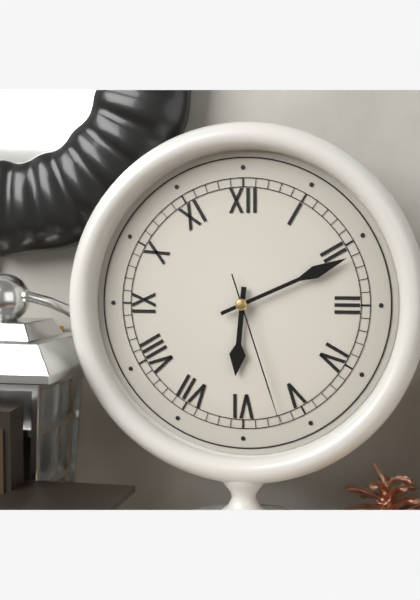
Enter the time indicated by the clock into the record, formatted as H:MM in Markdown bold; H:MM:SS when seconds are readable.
**6:11:27**
